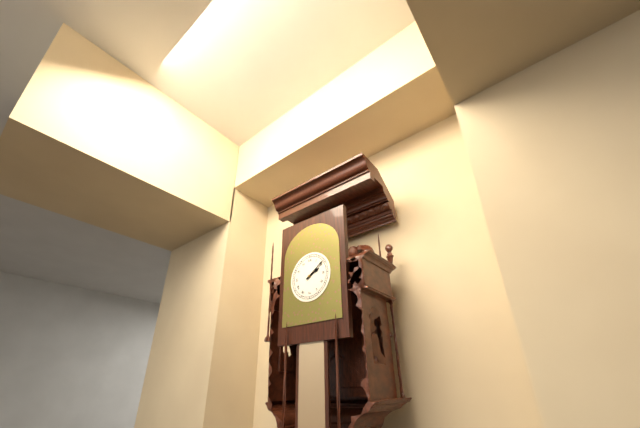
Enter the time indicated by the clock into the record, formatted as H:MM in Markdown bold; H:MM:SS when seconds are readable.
**2:09**
